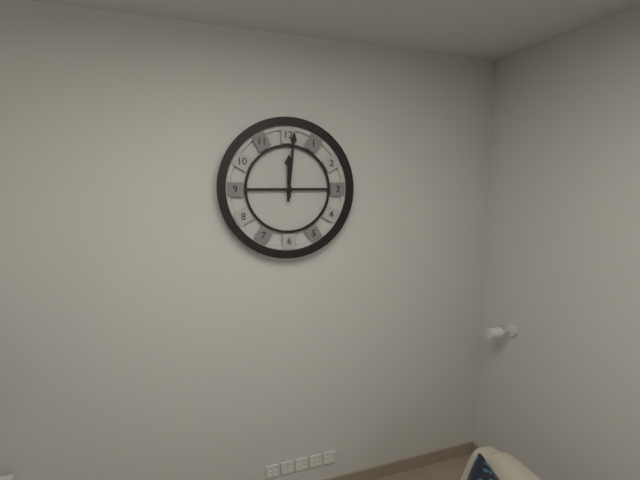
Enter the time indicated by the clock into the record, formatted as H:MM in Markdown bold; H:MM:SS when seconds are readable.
**12:01**
